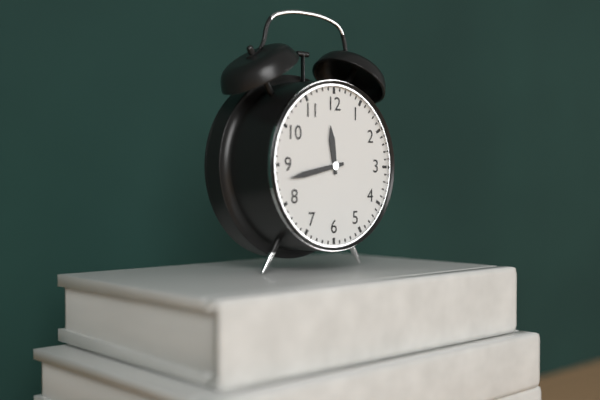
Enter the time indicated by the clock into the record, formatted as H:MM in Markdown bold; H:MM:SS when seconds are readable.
**11:43**
